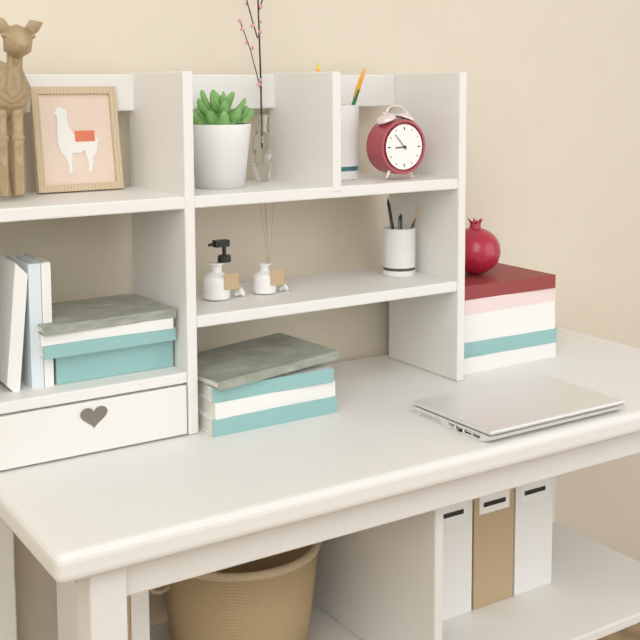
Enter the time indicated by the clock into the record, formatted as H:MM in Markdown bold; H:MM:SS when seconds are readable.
**8:53**
